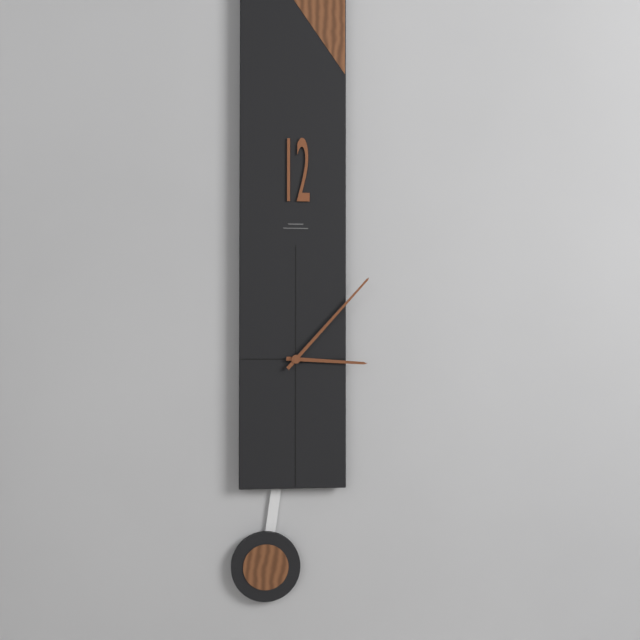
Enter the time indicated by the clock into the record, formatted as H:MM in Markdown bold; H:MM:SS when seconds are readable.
**3:07**
